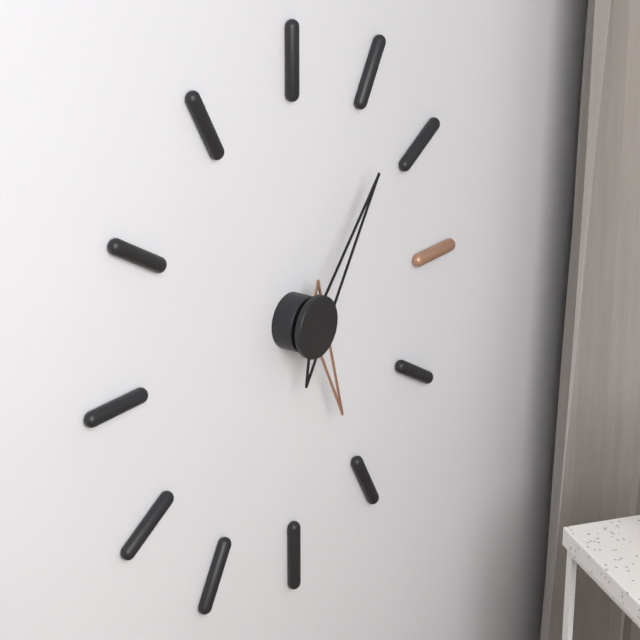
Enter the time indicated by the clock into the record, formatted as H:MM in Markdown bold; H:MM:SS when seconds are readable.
**5:07**
